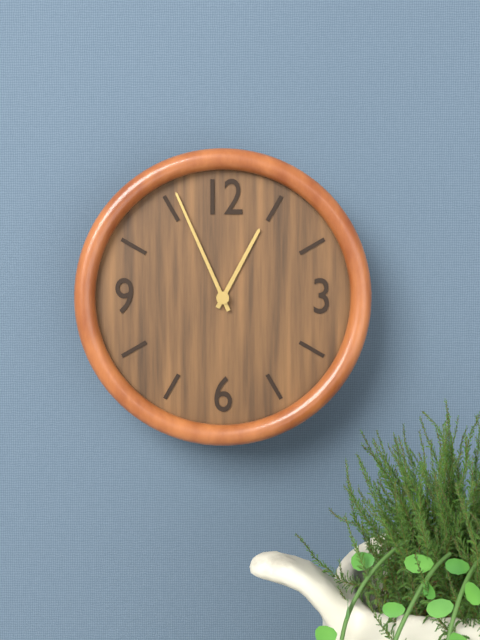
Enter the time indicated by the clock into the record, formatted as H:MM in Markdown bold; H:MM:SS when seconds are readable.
**12:56**
